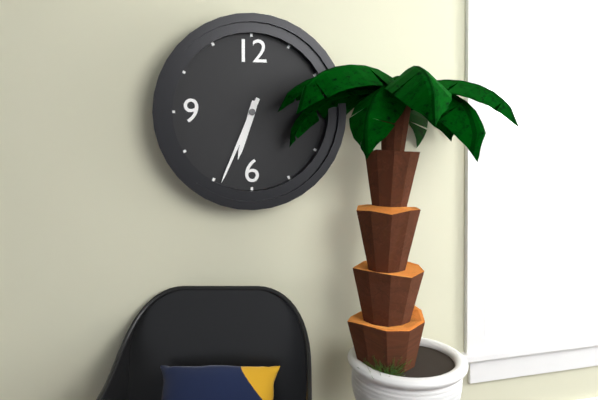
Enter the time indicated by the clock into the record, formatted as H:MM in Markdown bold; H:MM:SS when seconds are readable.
**6:34**
